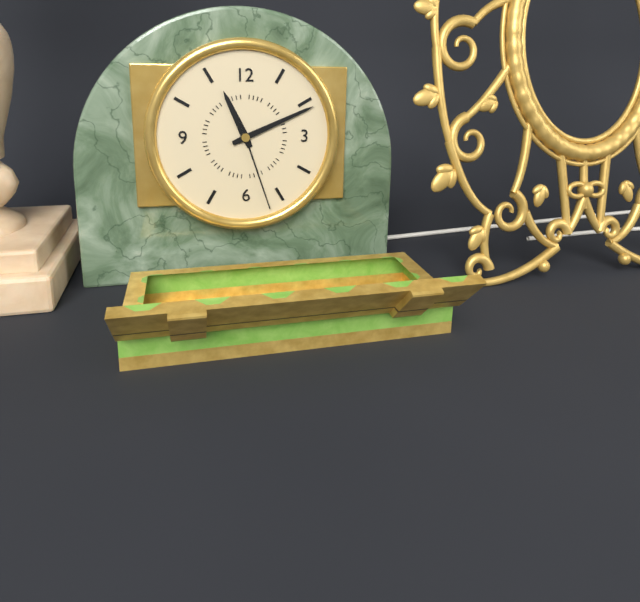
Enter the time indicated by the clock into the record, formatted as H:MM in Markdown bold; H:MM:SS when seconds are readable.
**11:11:27**
